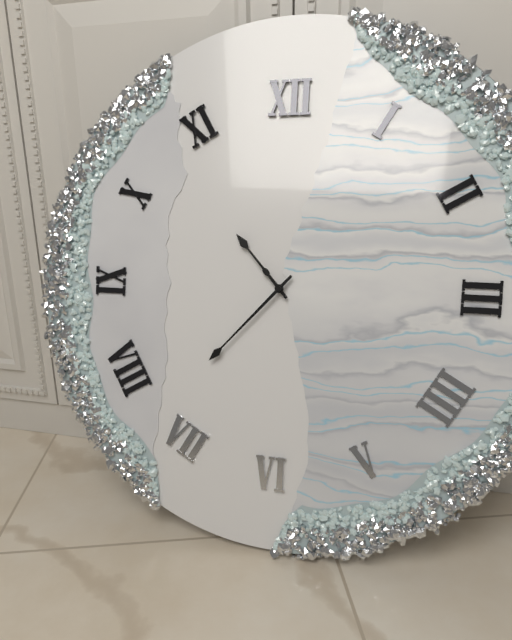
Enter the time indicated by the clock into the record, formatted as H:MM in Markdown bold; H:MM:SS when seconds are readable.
**10:37**
